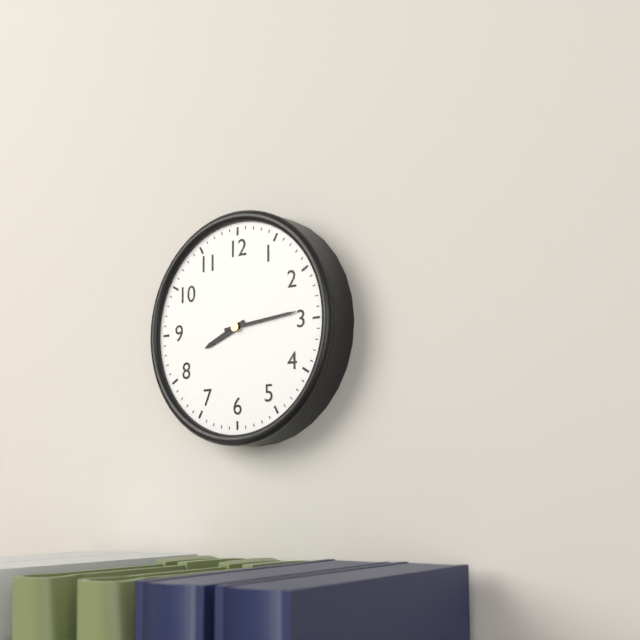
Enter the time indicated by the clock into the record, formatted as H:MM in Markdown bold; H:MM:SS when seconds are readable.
**8:14**
